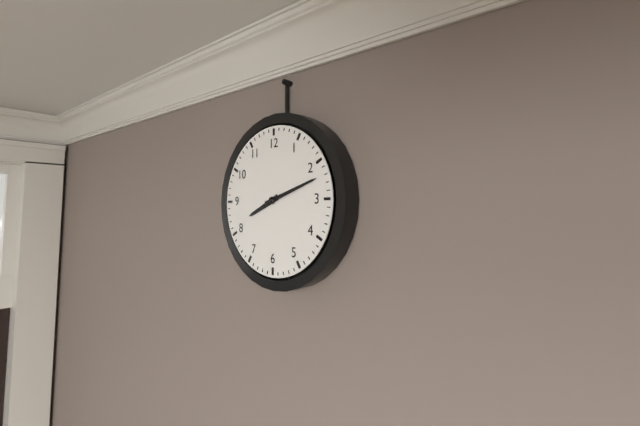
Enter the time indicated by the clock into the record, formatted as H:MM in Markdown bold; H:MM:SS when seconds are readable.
**8:12**
